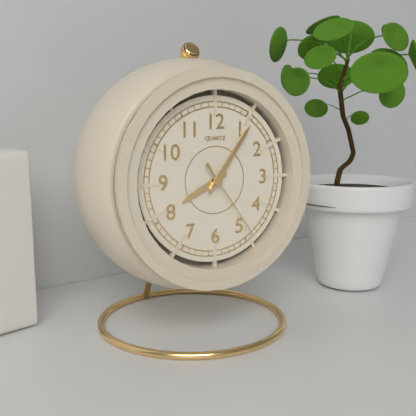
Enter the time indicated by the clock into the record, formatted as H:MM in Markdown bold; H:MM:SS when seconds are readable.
**8:06:24**
